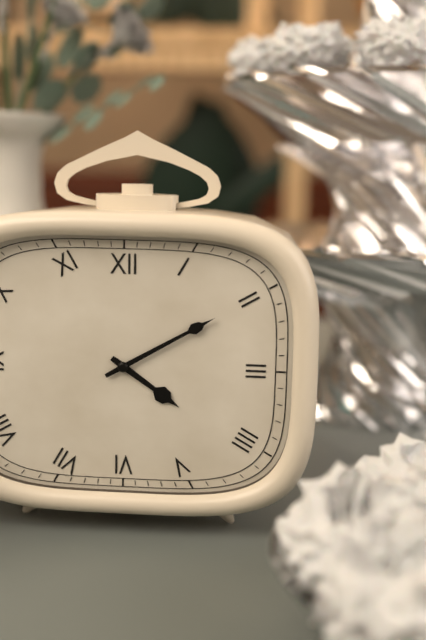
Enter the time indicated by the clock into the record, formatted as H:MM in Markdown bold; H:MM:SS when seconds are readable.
**4:10**
